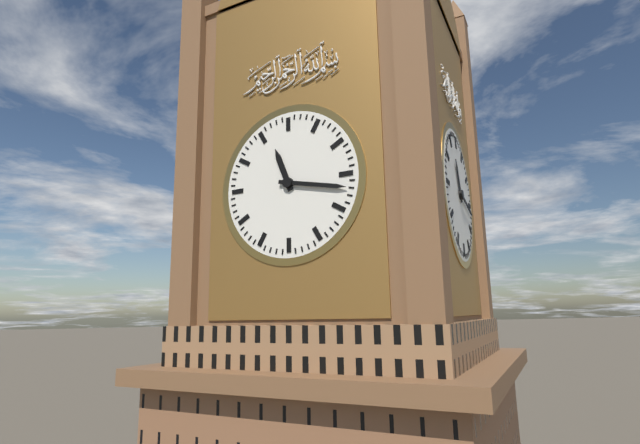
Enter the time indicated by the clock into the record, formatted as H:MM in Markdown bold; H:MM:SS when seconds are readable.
**11:17**
